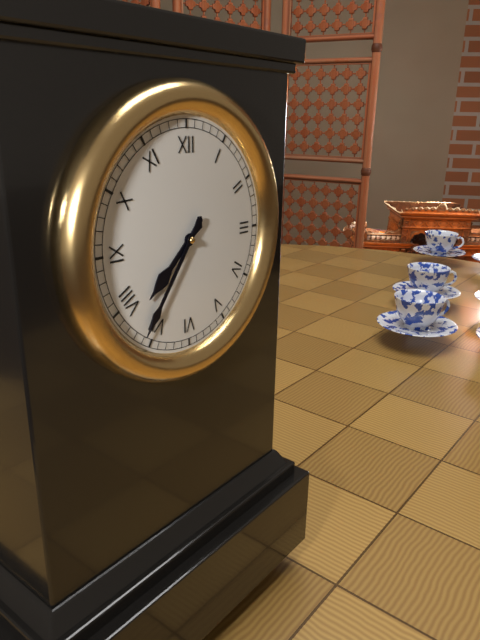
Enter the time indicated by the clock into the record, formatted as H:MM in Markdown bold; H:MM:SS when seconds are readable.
**7:36**
